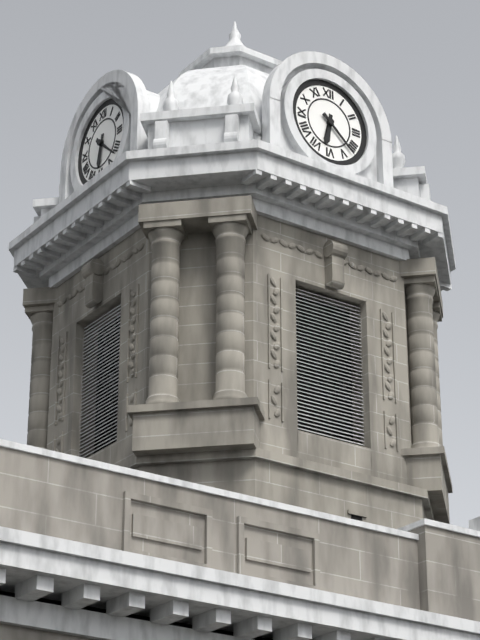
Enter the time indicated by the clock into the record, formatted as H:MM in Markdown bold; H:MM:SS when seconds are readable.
**6:22**
